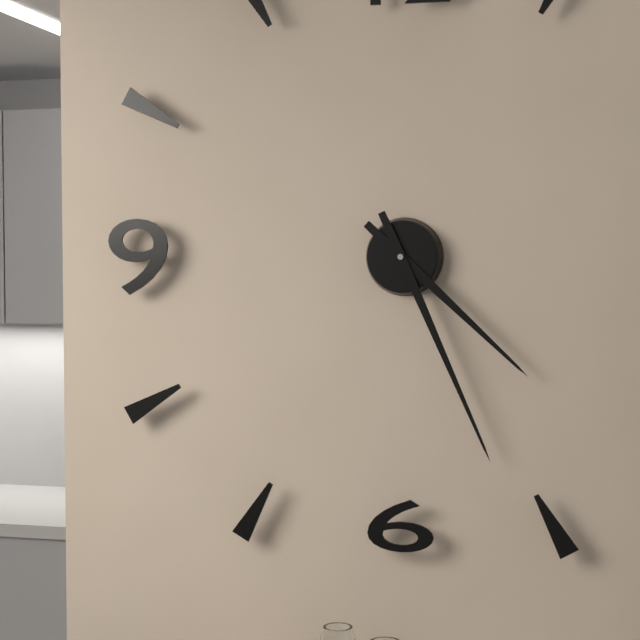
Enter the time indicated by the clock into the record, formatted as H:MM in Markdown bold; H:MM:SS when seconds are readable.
**4:26**
